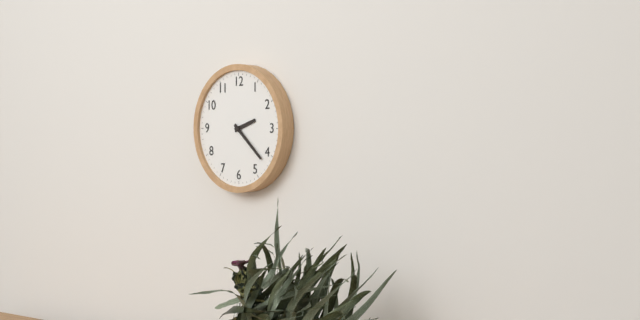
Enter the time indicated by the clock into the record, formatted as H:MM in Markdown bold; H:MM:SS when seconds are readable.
**2:22**
